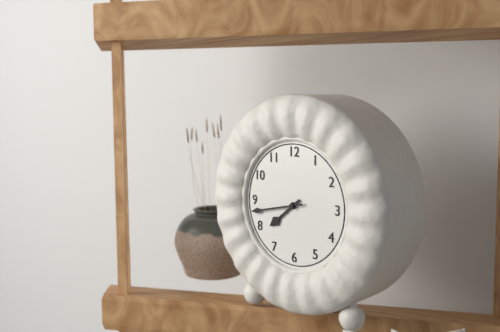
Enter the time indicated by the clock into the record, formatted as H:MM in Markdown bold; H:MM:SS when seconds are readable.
**7:43**
